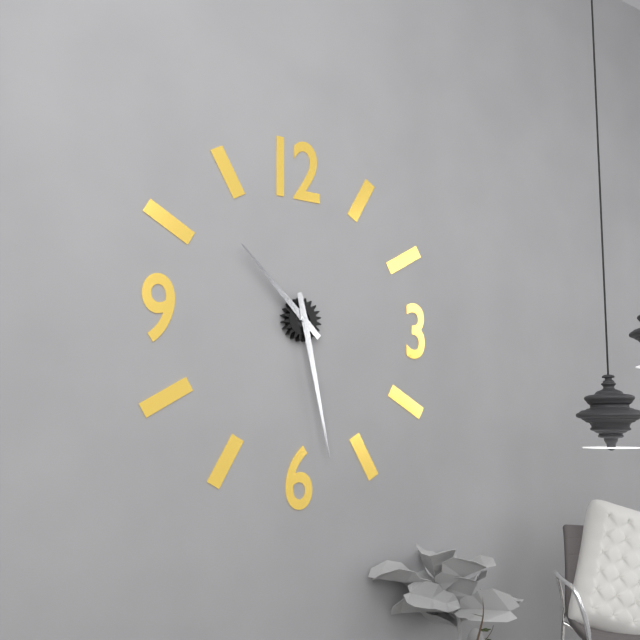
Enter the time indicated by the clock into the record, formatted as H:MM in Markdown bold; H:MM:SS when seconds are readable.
**10:28**
